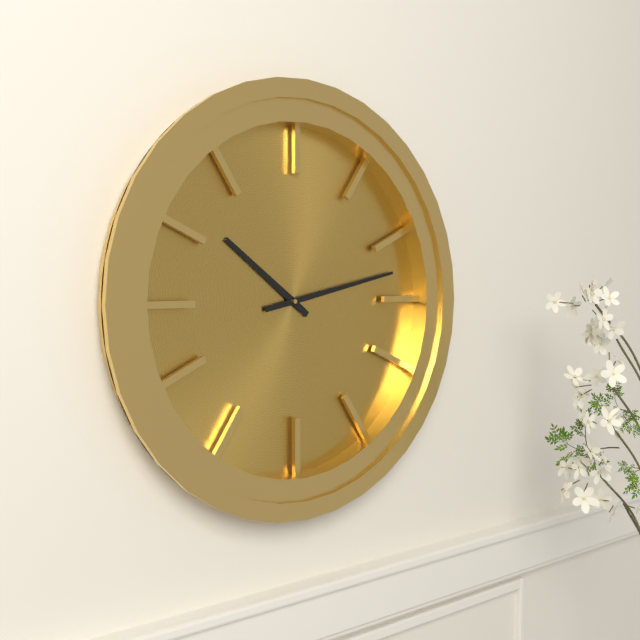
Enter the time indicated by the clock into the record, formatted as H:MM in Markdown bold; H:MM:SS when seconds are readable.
**10:13**
